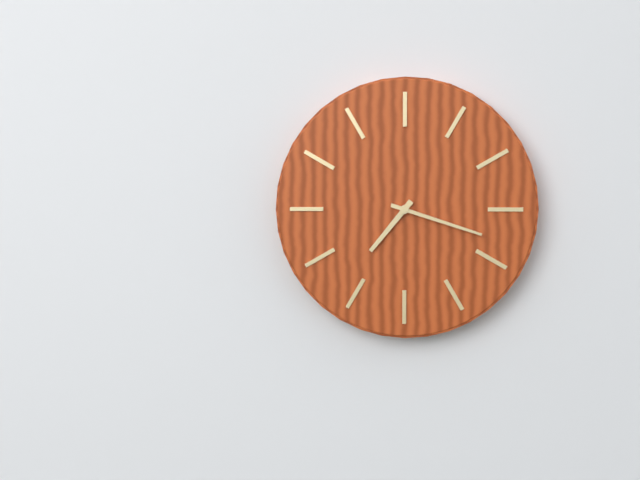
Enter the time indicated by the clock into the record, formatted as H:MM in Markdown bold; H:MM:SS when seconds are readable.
**7:18**
